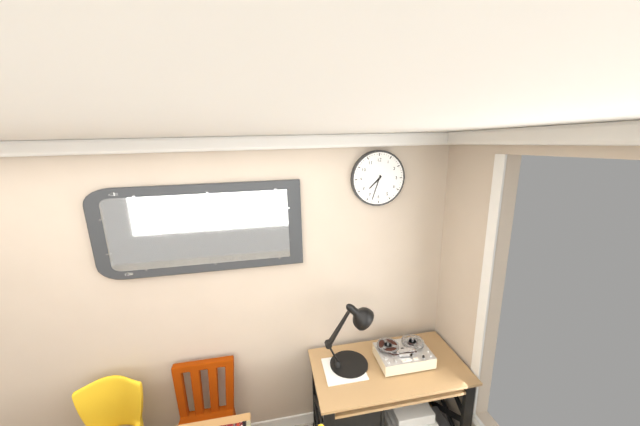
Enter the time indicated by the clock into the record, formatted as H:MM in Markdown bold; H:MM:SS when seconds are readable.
**7:33**
